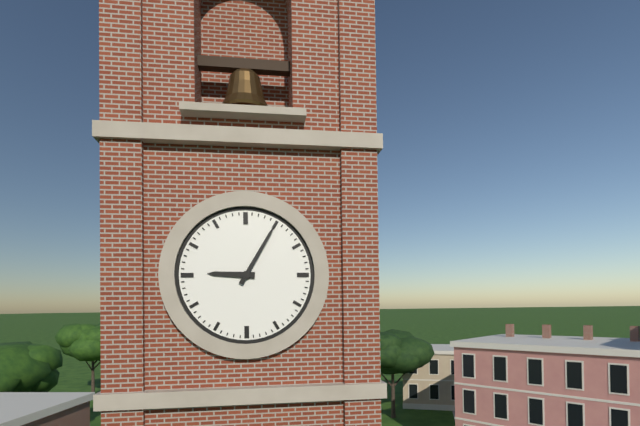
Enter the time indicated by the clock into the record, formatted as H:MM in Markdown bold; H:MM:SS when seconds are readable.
**9:05**
